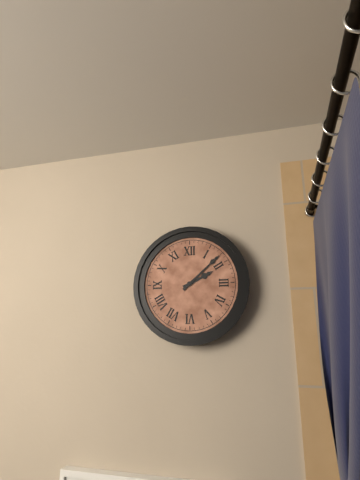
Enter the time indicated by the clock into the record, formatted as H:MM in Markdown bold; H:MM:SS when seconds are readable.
**2:08**
